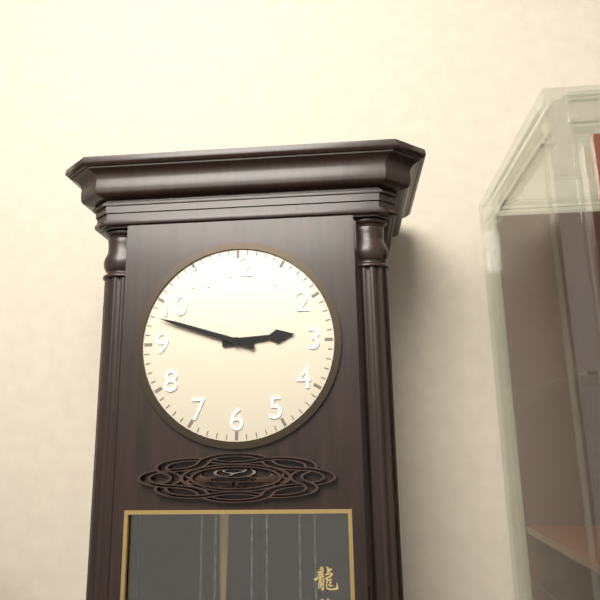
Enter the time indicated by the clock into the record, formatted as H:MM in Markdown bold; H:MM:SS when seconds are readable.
**2:48**
